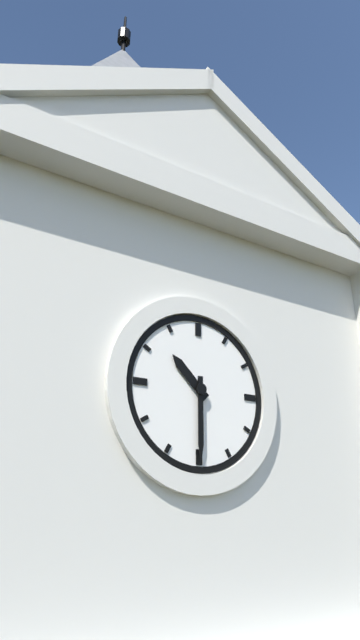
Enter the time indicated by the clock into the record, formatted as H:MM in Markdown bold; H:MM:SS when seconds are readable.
**10:30**
